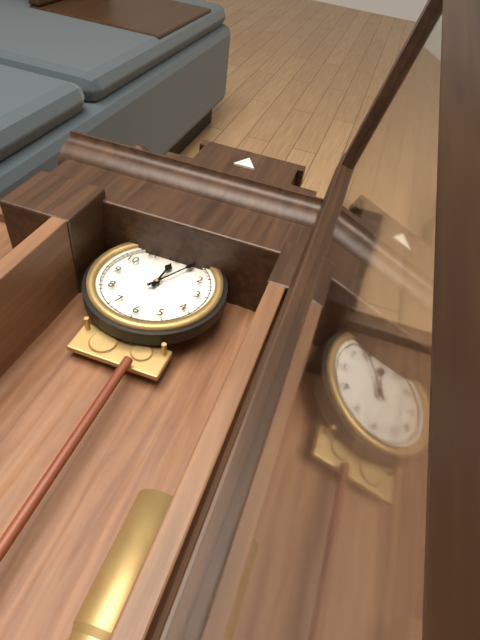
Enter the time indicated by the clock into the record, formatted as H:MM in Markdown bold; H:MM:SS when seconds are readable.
**12:05**
